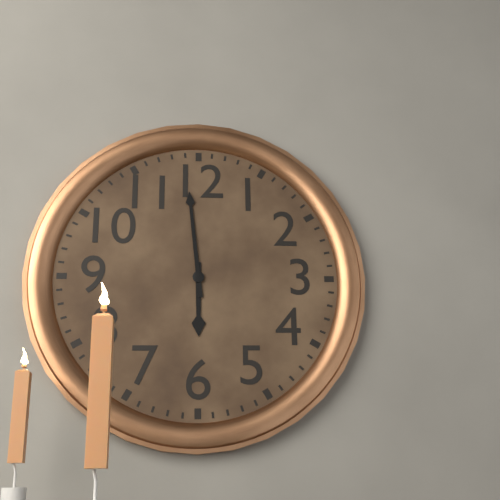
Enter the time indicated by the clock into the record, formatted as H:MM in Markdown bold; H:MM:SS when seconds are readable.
**5:59**
